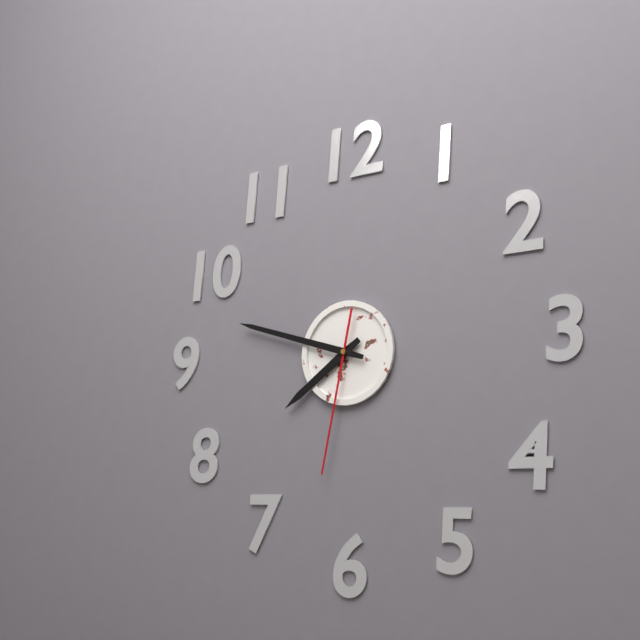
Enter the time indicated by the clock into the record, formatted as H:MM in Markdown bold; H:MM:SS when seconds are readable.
**7:48:32**
